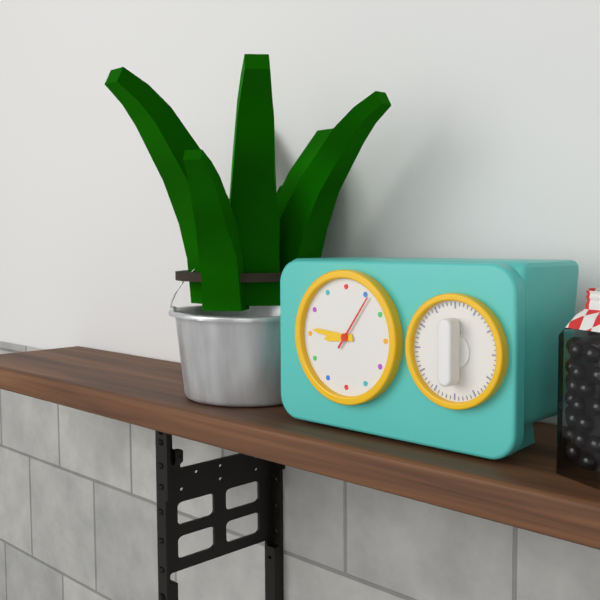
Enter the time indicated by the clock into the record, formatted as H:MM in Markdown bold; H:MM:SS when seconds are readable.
**8:46:06**
